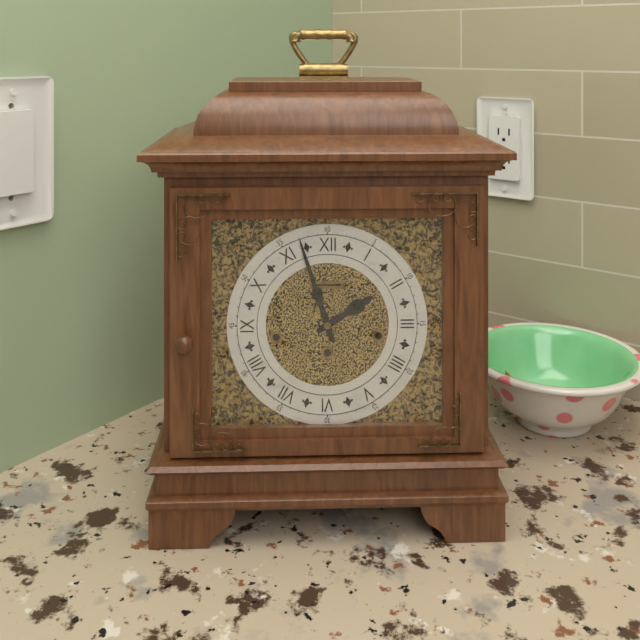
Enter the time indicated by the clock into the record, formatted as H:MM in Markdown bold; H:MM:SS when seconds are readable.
**1:57**
